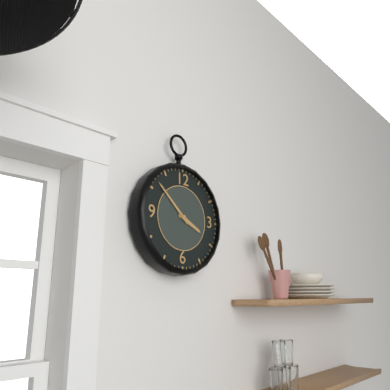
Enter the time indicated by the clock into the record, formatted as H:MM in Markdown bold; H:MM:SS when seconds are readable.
**3:52**
